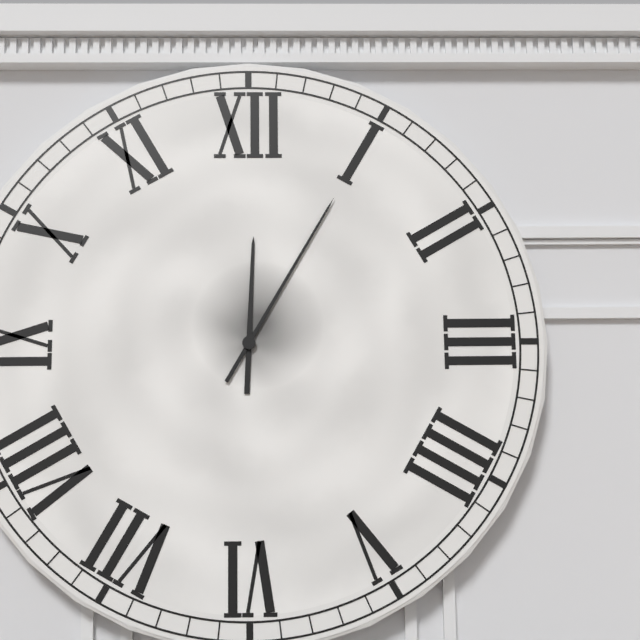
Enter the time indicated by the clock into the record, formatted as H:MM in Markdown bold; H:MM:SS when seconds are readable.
**12:05**
